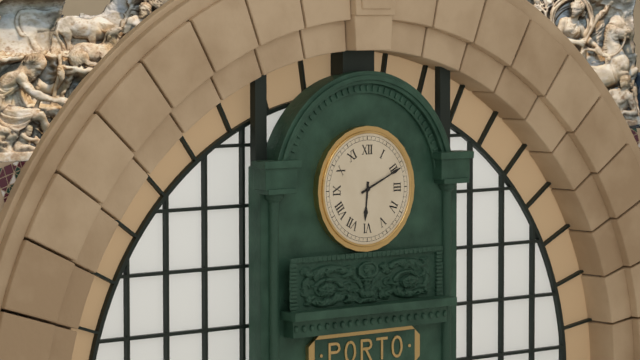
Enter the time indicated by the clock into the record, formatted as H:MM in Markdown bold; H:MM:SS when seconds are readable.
**6:11**
